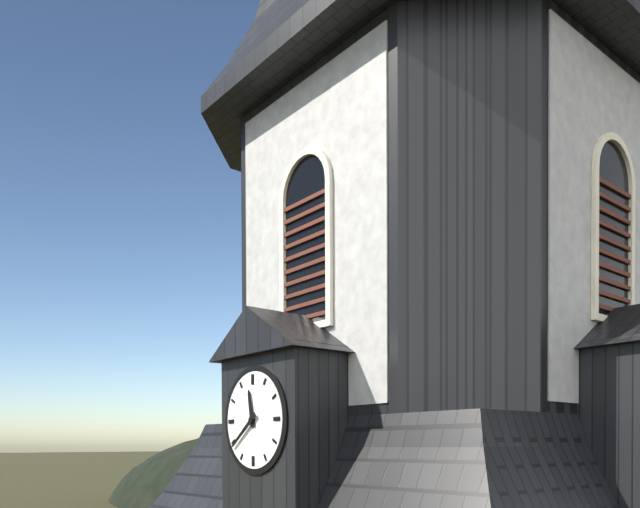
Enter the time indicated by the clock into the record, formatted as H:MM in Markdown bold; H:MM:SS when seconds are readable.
**11:39**
